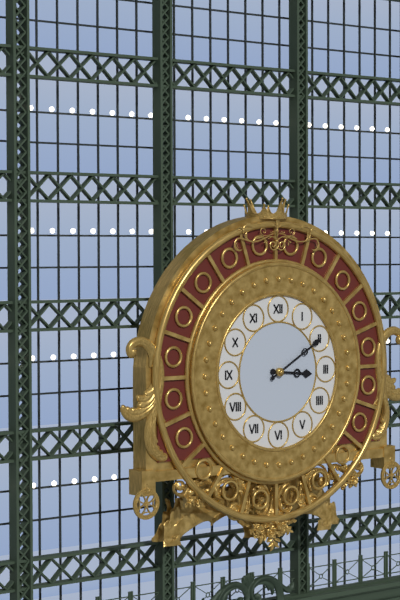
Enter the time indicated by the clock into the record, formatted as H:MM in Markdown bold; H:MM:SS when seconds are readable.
**3:10**
